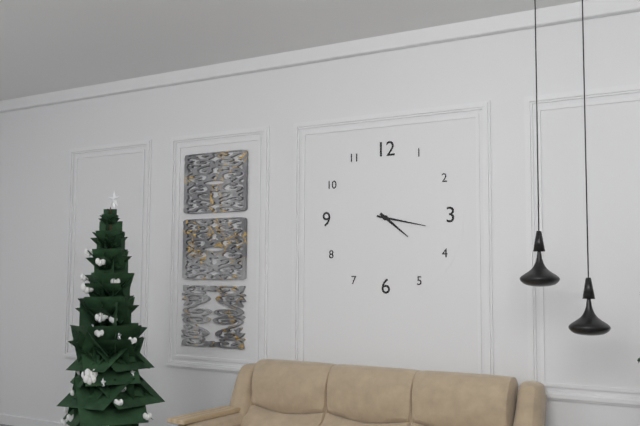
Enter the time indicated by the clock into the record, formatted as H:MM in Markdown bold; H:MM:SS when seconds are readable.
**4:17**
